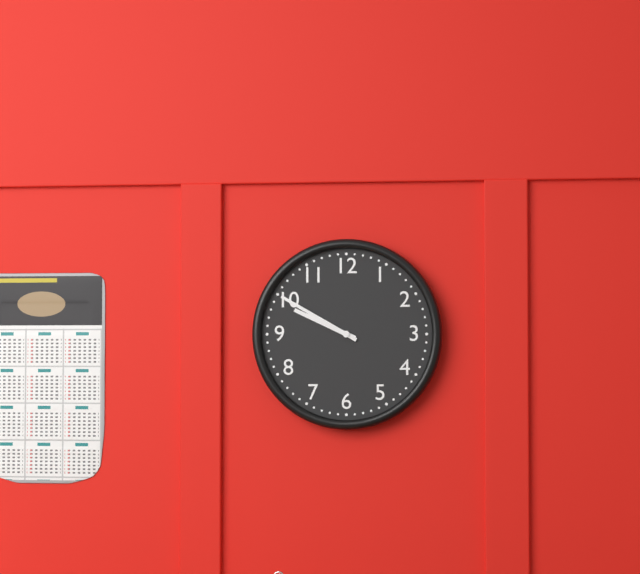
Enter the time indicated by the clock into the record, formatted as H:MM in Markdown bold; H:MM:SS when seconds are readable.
**9:50**
